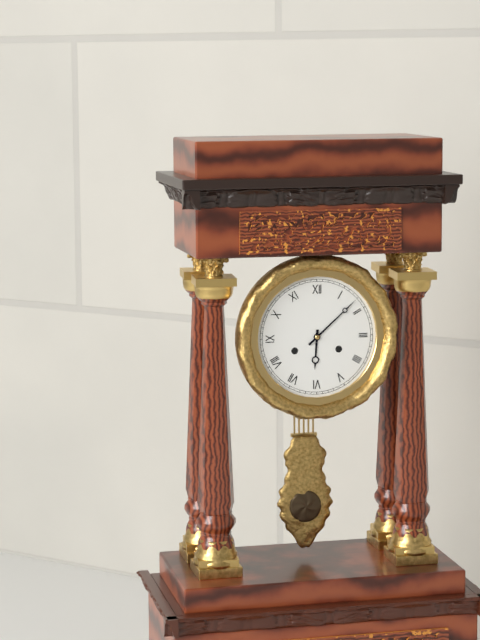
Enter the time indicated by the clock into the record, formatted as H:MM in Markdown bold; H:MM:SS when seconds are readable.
**6:08**
